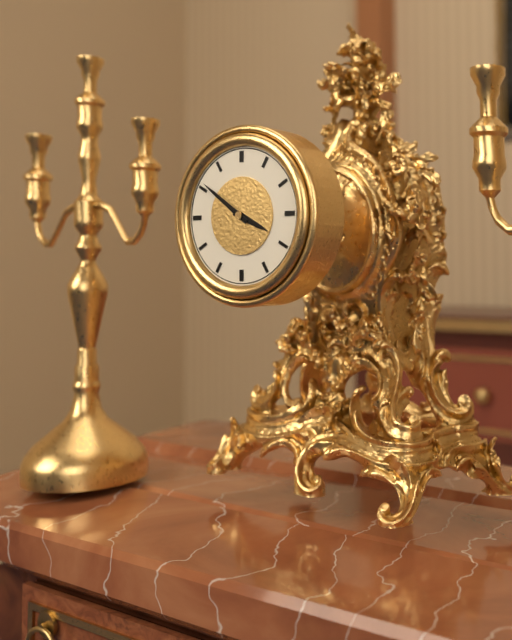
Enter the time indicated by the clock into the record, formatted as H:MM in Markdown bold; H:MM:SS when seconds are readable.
**3:51**
